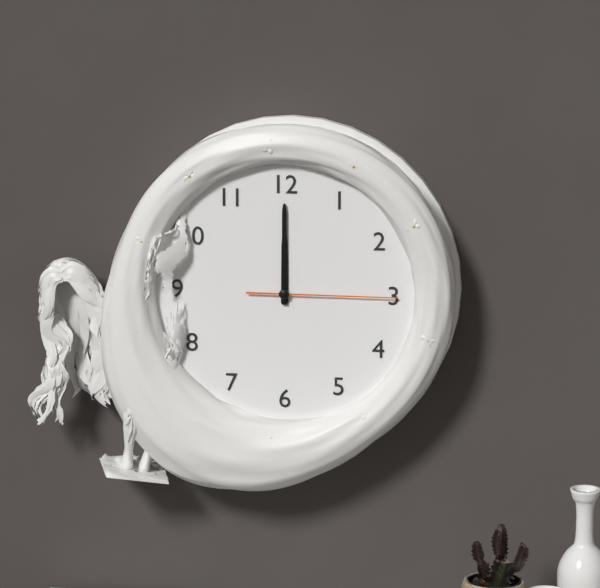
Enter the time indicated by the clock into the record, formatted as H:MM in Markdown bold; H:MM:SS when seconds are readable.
**12:00:15**
